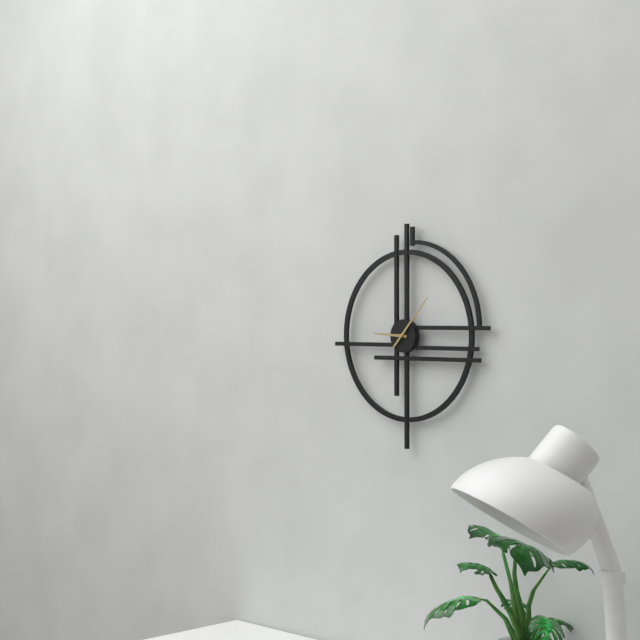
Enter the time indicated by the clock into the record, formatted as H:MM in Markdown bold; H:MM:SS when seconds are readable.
**9:07**
